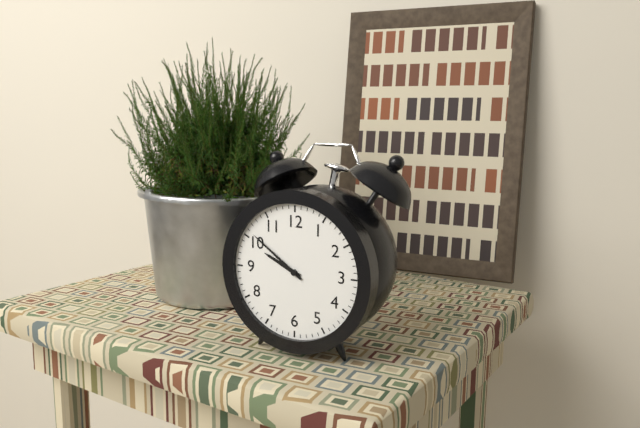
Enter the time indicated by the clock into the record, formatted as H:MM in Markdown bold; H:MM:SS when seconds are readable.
**9:51**
